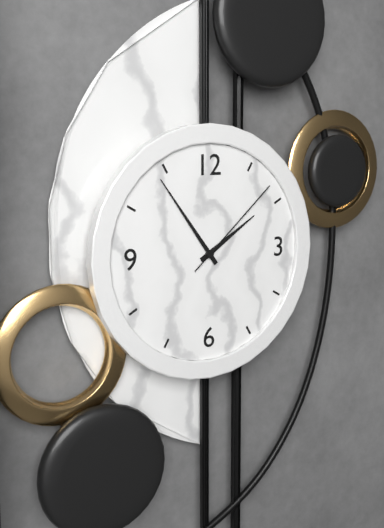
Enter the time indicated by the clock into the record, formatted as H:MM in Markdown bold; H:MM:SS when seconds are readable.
**1:54:08**
